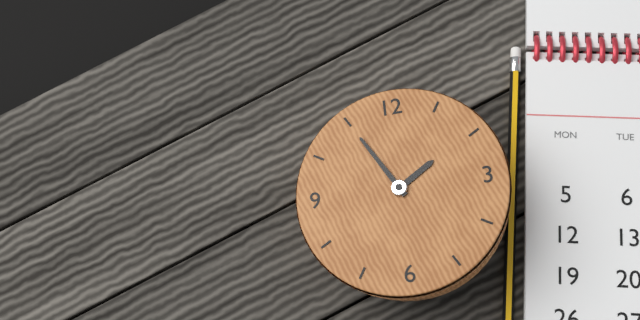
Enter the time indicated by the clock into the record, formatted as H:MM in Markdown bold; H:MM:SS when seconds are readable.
**1:55**
